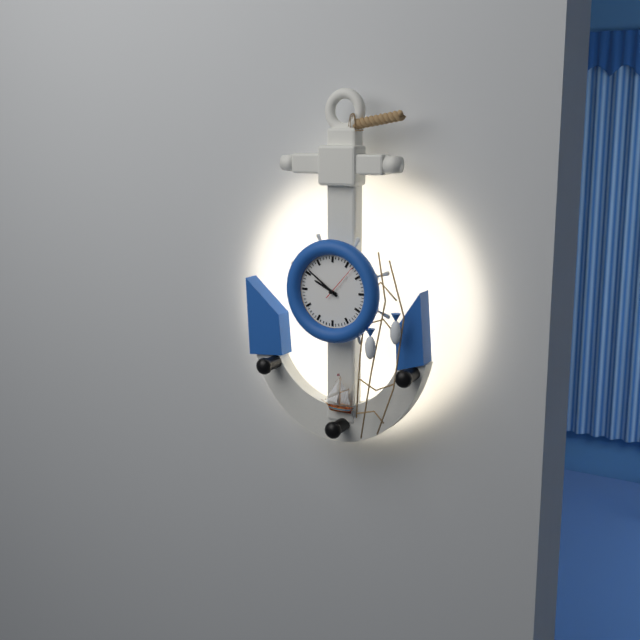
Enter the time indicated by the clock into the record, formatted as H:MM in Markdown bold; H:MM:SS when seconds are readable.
**9:51**
